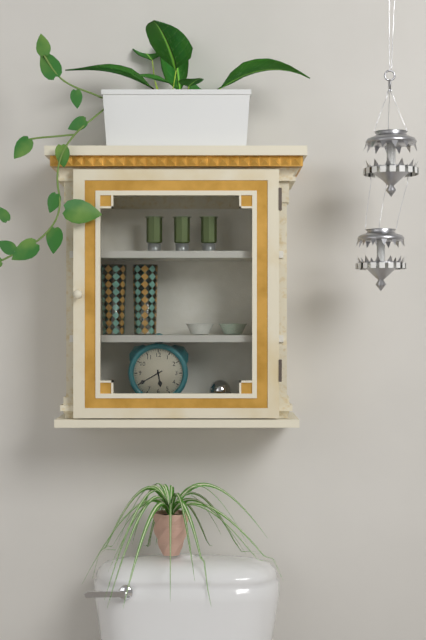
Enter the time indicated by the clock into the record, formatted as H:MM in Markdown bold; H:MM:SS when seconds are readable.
**5:40**
